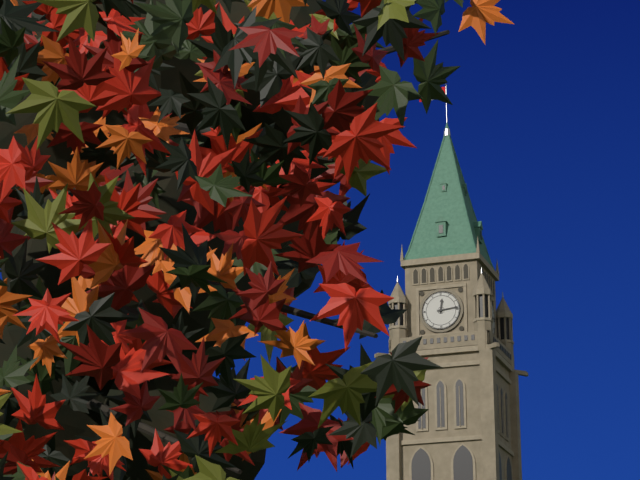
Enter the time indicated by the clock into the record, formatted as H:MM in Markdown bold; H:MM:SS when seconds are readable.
**12:14**
